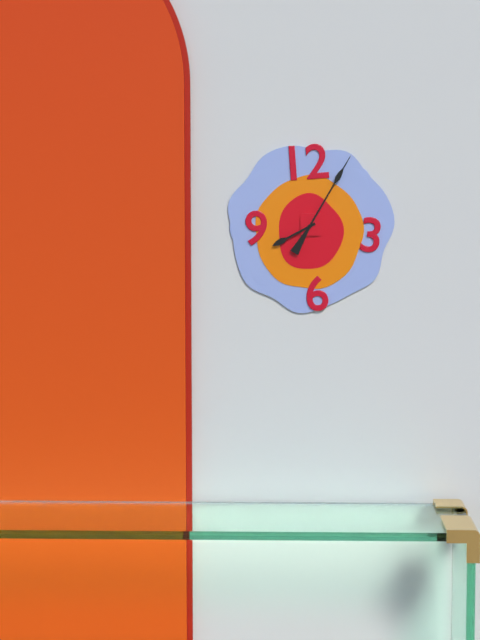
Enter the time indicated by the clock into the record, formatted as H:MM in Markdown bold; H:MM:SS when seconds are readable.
**8:05**
